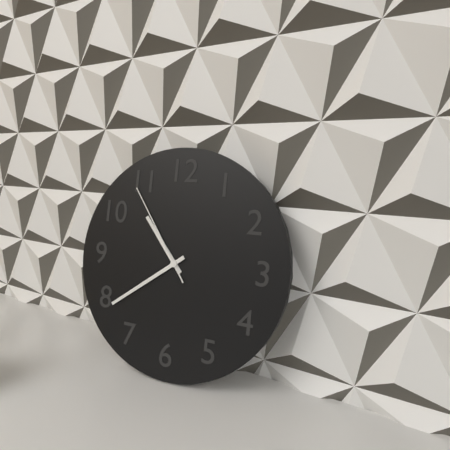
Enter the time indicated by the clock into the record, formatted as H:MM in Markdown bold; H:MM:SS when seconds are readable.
**10:39:54**
